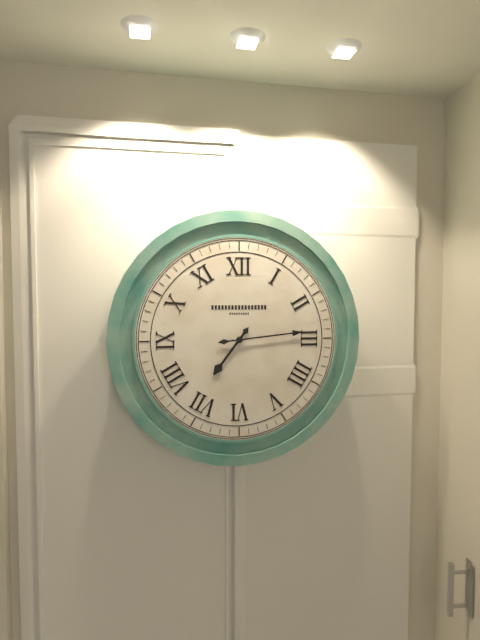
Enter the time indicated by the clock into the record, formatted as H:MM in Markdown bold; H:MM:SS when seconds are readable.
**7:14**
